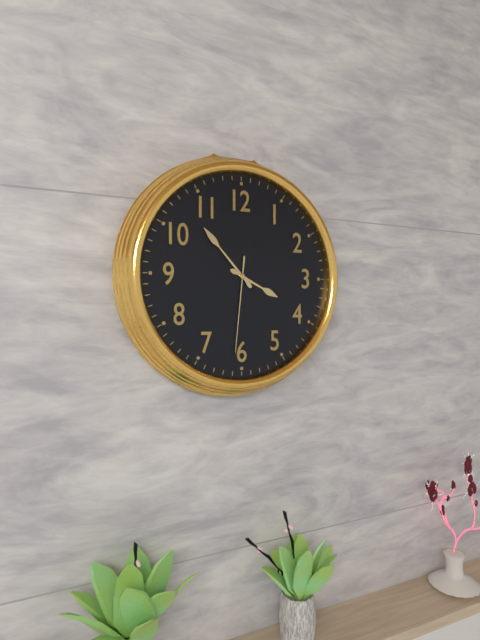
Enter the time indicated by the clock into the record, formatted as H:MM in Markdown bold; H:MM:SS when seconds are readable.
**3:53:31**
